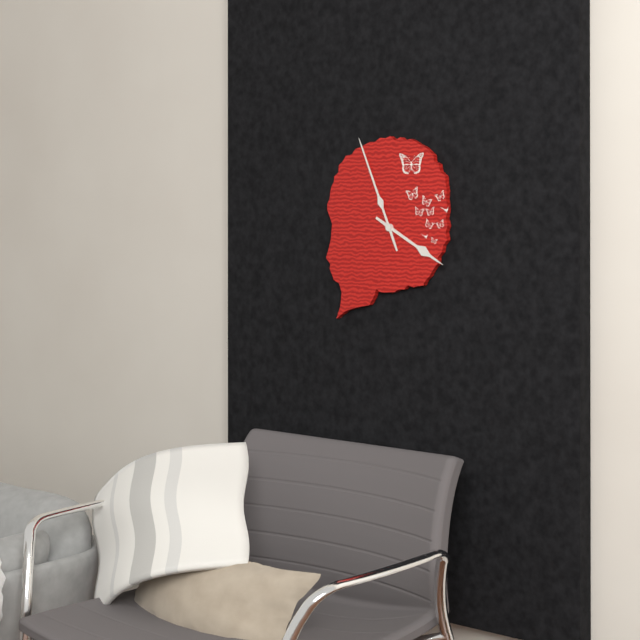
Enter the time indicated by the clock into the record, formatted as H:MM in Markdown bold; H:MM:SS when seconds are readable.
**3:56**
